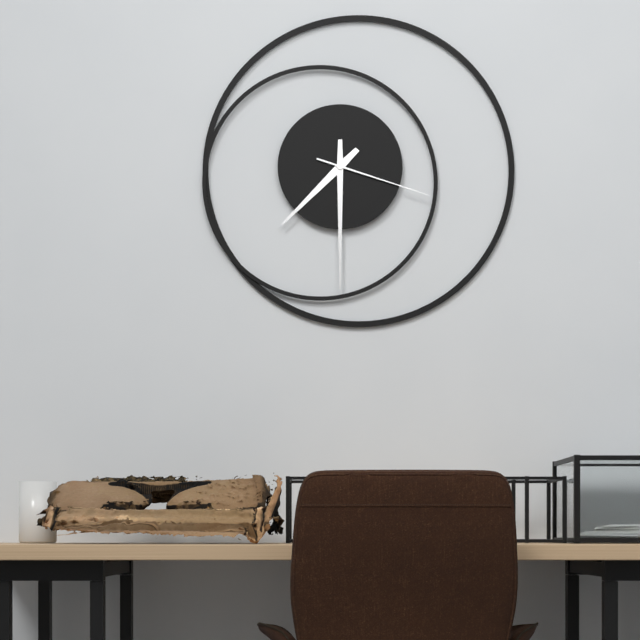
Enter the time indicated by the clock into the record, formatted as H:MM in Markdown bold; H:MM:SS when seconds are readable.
**7:30:18**
